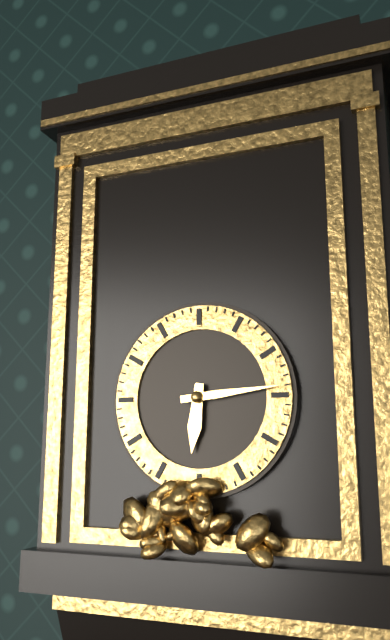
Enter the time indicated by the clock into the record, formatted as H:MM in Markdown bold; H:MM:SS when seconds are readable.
**6:14**
